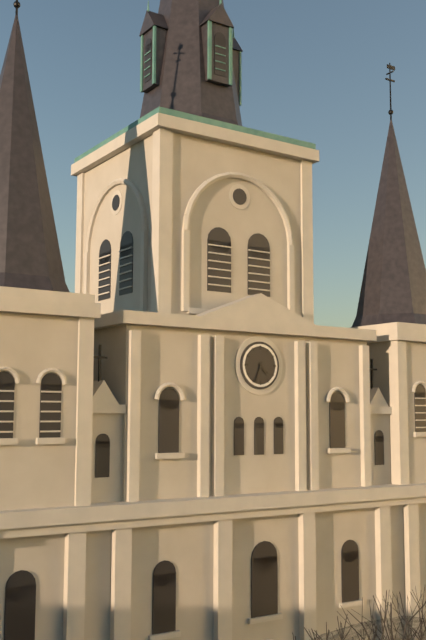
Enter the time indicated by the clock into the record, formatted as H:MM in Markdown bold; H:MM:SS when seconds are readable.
**4:33**
